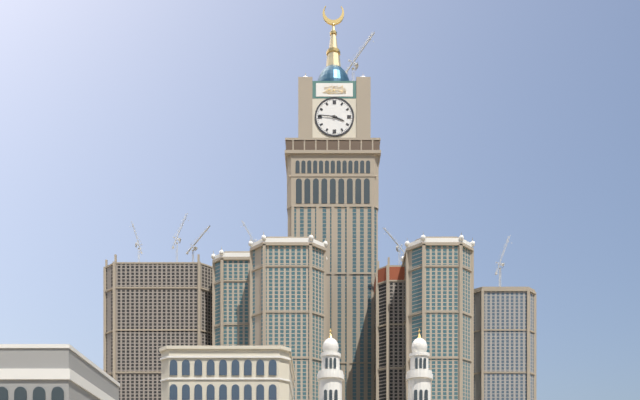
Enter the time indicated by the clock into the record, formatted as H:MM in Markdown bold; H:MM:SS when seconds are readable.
**3:46**
